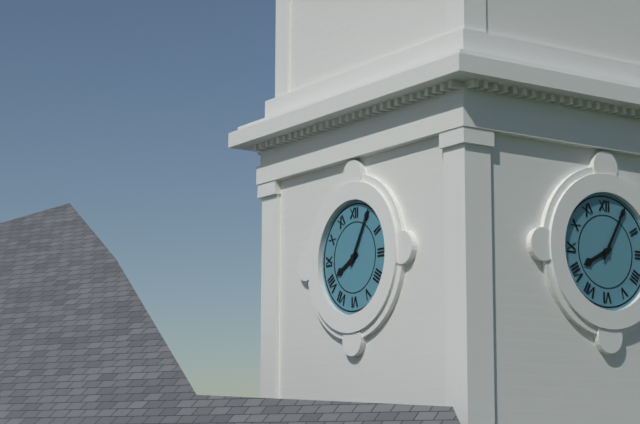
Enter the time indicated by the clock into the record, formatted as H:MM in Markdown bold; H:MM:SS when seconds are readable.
**8:05**
